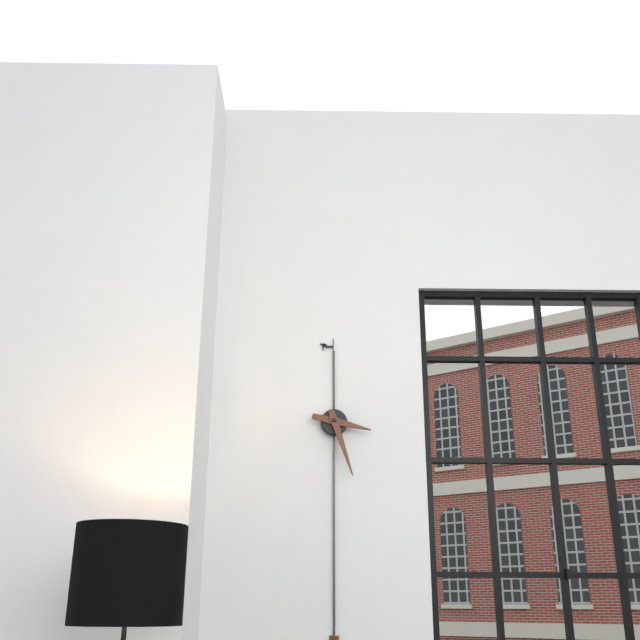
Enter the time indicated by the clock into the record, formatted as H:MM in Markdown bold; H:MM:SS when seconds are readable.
**3:27**
